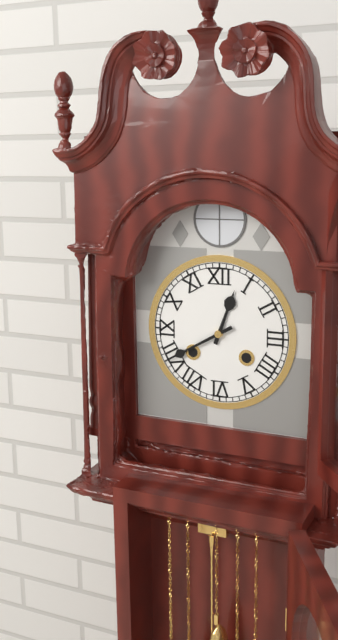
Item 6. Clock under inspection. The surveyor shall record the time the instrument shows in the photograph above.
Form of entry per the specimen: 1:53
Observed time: 12:40
